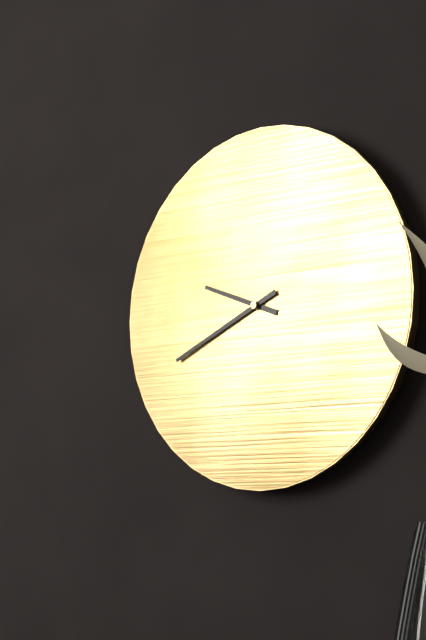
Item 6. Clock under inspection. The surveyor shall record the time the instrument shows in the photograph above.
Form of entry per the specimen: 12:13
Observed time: 9:41
